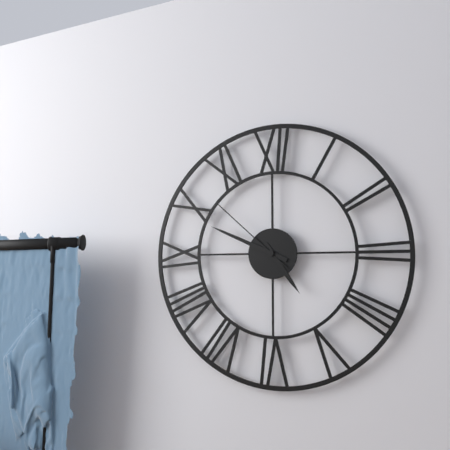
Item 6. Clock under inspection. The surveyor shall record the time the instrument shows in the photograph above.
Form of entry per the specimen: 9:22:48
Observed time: 4:49:52
